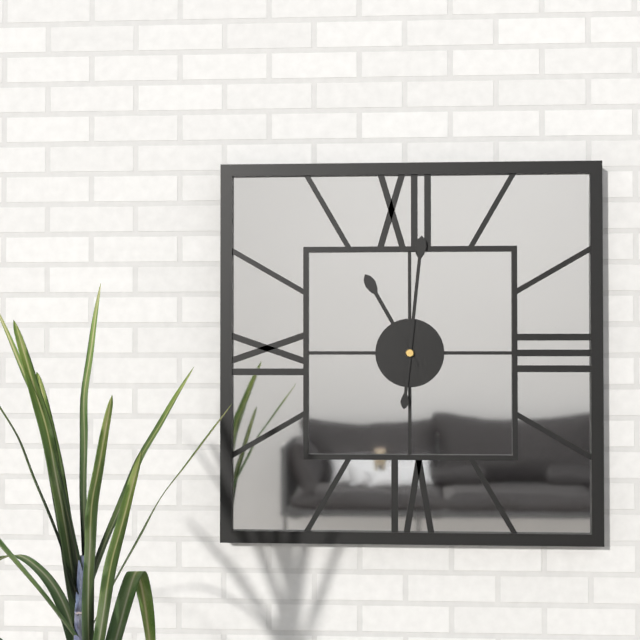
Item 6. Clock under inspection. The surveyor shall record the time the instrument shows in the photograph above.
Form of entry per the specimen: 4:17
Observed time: 11:01
